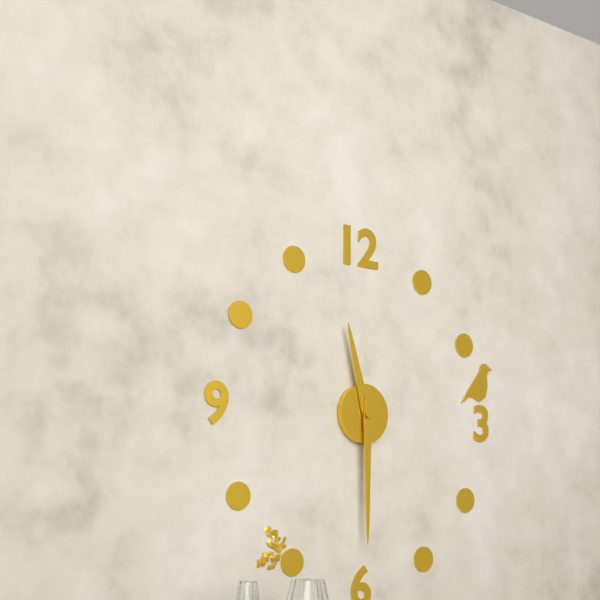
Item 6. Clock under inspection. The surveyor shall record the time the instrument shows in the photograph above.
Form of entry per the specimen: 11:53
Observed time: 11:30
